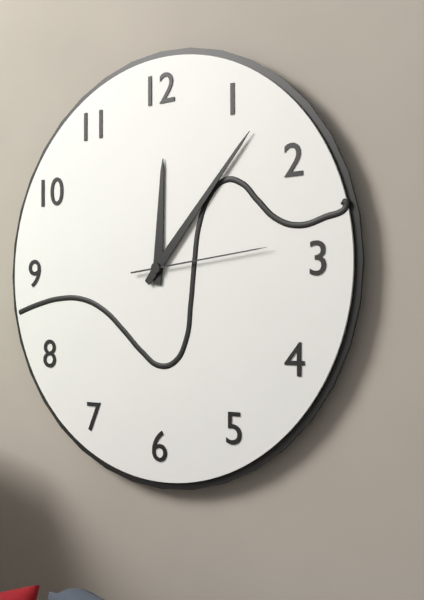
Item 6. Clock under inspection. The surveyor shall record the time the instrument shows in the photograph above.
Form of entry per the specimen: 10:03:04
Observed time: 12:07:14
